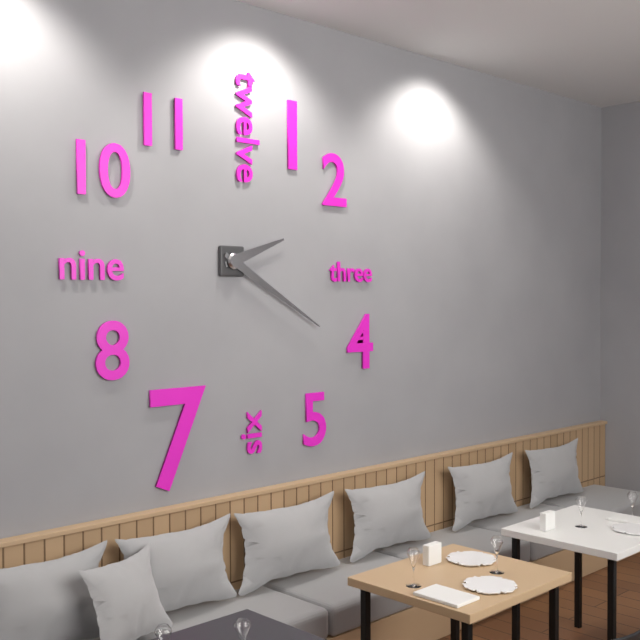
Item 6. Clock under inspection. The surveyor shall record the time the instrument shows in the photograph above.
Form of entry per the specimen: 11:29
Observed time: 2:20
